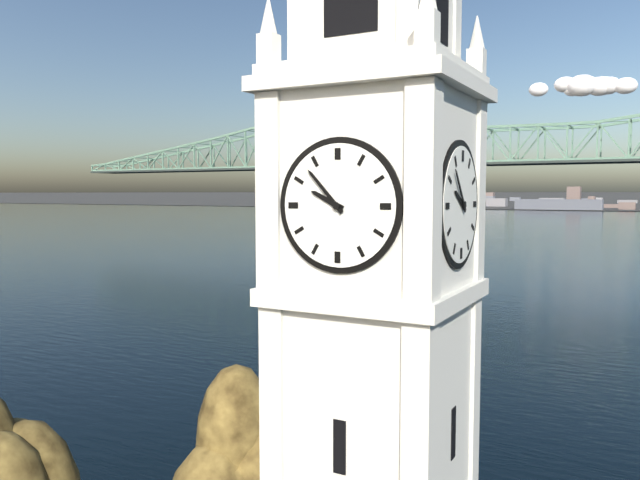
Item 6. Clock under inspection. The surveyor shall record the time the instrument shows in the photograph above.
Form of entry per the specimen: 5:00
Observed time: 9:53
